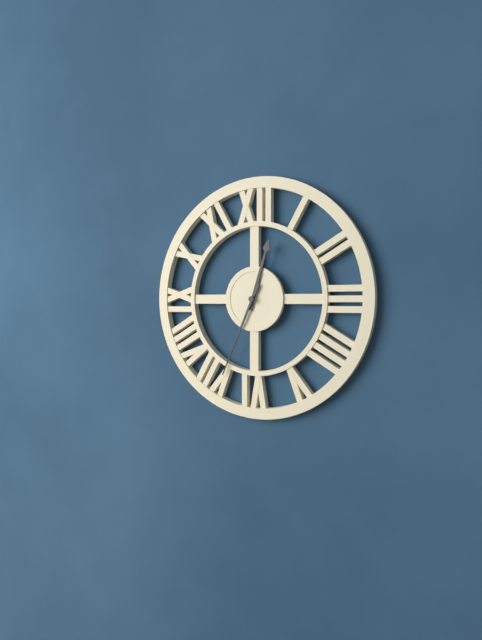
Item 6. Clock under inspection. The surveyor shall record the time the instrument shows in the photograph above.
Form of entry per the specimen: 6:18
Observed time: 12:34
